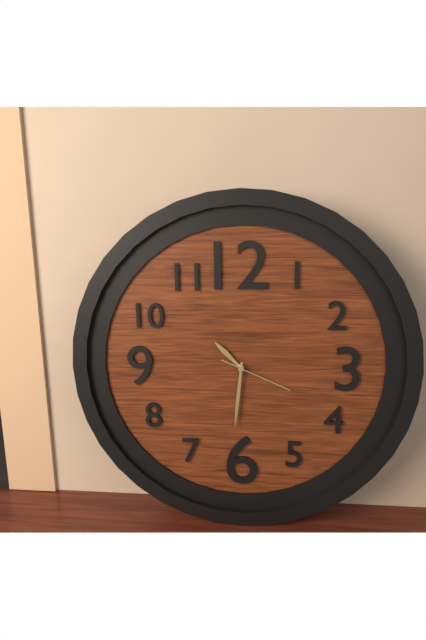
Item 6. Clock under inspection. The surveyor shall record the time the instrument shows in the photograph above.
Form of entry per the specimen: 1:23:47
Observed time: 10:31:19
